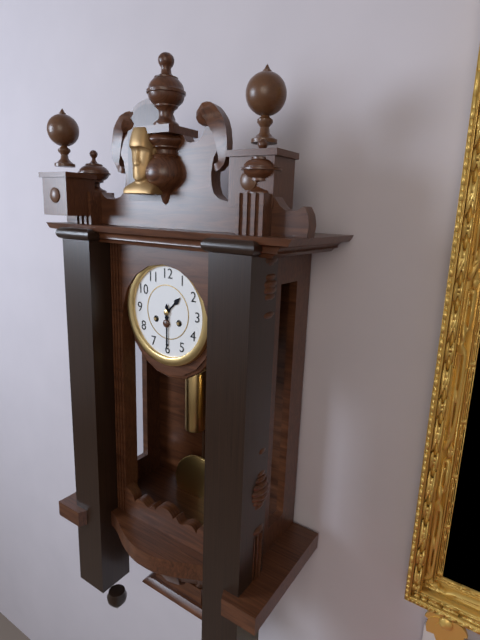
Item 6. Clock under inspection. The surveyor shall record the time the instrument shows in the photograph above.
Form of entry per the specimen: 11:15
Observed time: 1:30
